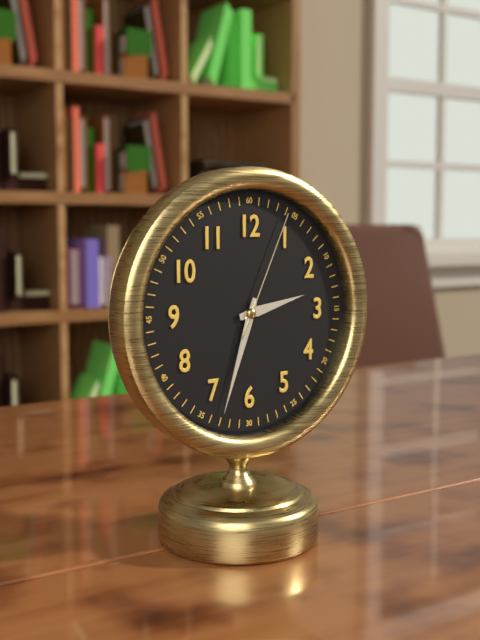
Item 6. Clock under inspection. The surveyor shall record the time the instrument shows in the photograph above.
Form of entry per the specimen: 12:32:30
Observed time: 2:33:04
